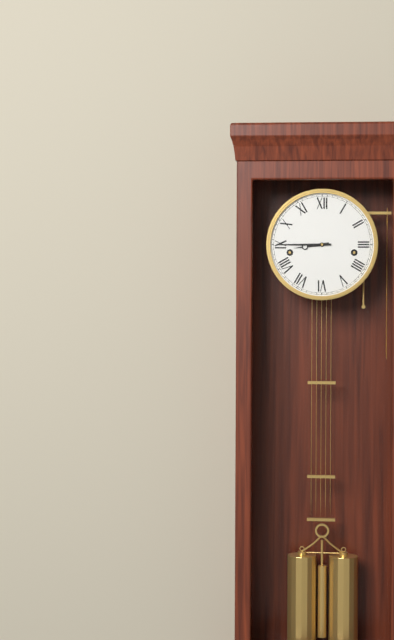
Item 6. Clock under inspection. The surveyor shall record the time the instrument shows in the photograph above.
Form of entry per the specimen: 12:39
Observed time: 8:45
